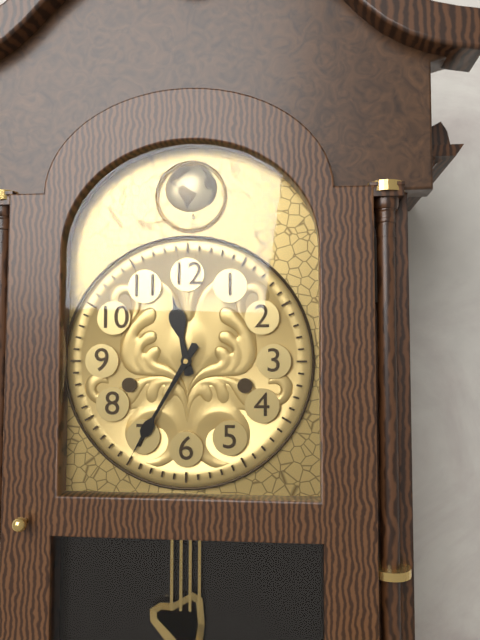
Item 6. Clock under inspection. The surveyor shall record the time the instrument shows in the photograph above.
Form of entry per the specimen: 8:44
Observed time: 11:35
